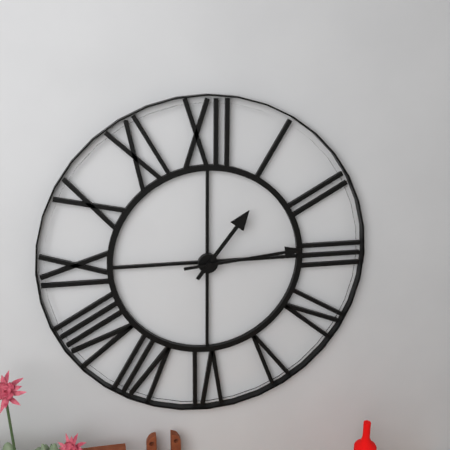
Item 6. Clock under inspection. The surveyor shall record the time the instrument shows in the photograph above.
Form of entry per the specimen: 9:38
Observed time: 1:14
